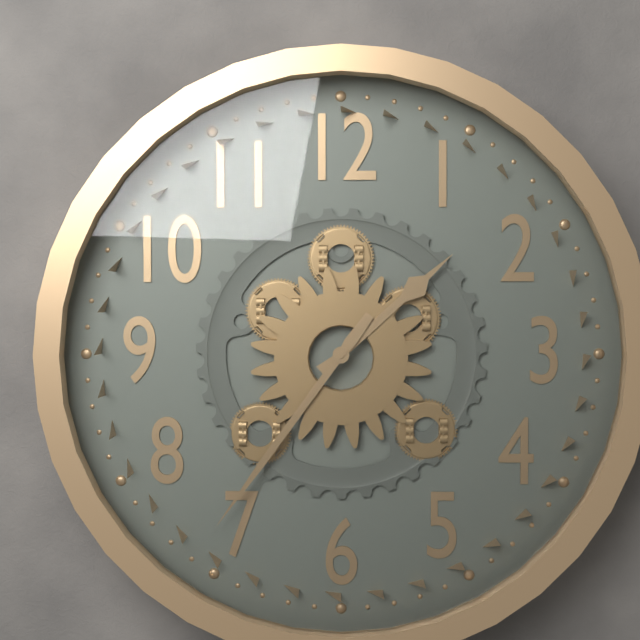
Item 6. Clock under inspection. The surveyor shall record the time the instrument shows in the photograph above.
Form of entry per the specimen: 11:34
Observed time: 1:36
